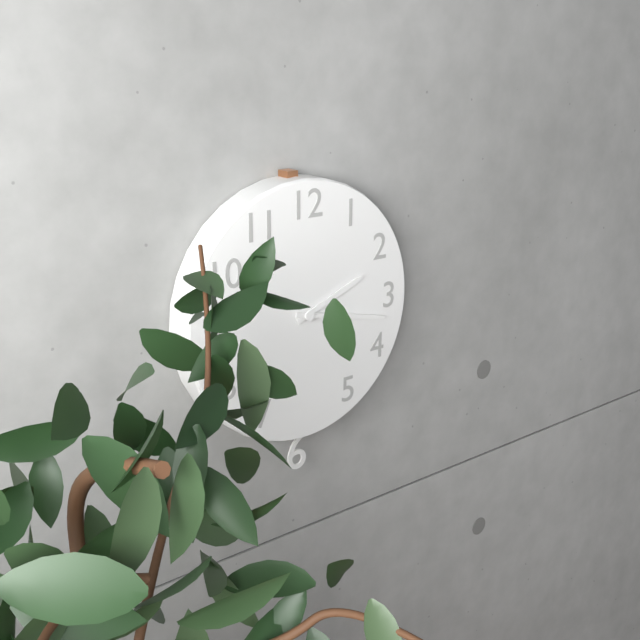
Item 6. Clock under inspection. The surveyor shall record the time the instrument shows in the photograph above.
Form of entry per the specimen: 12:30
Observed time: 2:17
